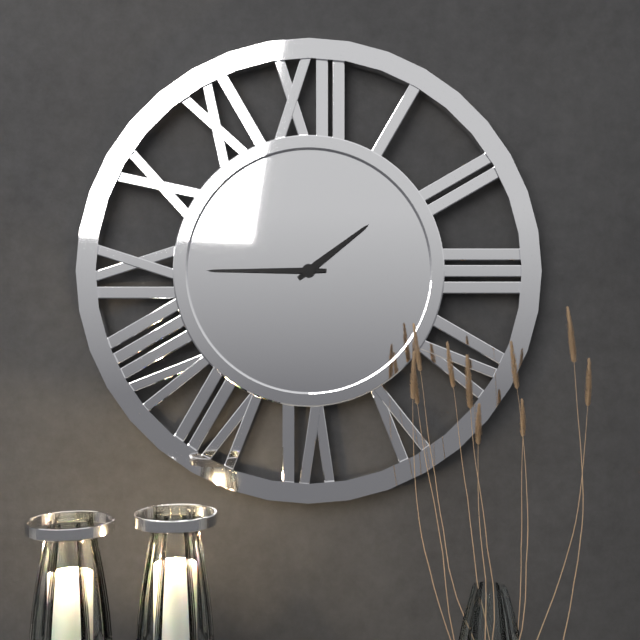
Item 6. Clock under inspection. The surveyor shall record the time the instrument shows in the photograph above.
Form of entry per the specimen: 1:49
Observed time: 1:45
